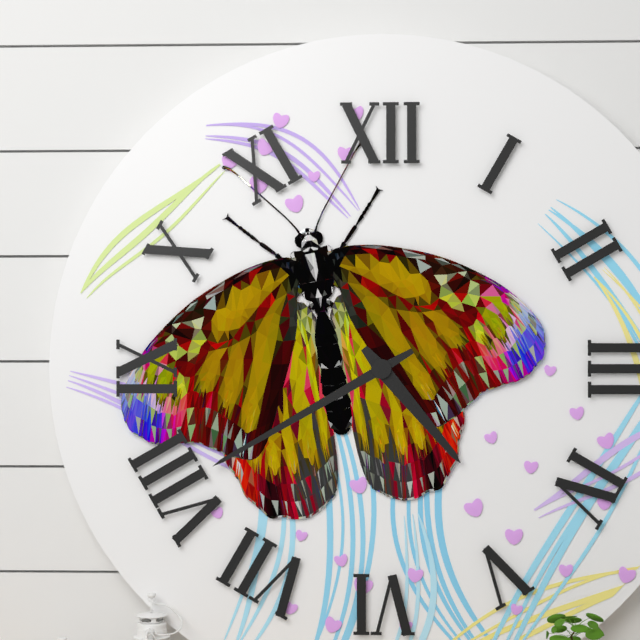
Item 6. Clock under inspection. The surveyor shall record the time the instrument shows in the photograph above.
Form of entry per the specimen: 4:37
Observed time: 4:40
